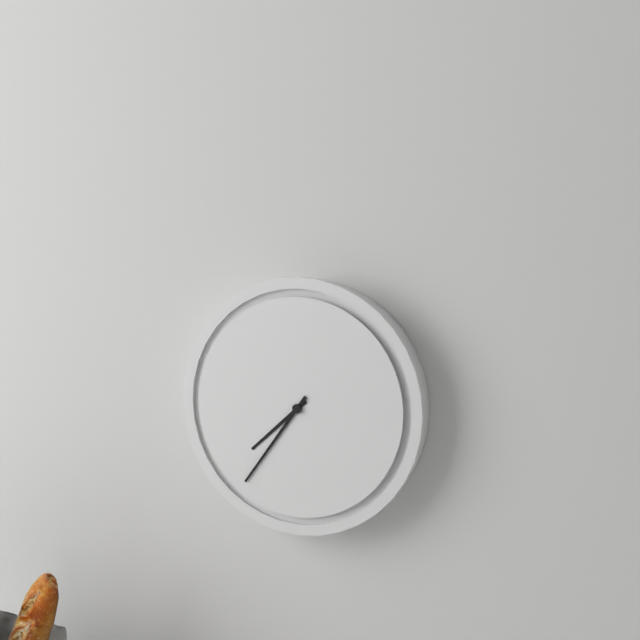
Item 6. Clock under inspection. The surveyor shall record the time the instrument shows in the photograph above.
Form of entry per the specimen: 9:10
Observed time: 7:36
